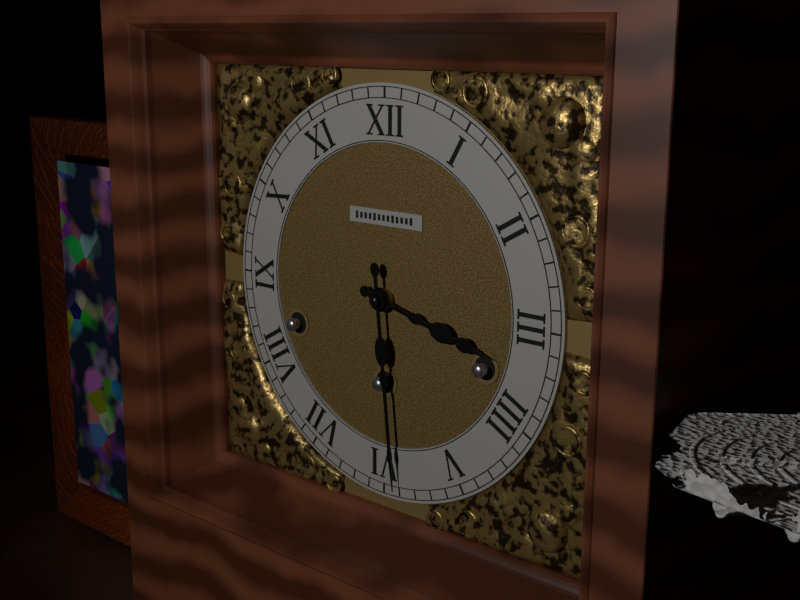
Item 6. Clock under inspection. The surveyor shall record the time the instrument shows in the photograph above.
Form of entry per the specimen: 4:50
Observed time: 3:29
